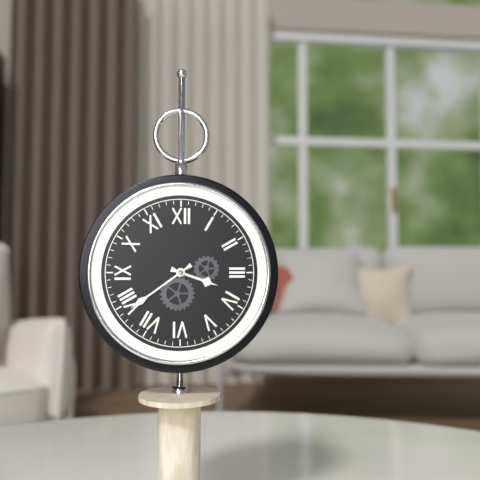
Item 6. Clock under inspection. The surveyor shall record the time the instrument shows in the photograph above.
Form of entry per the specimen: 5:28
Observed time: 3:39
